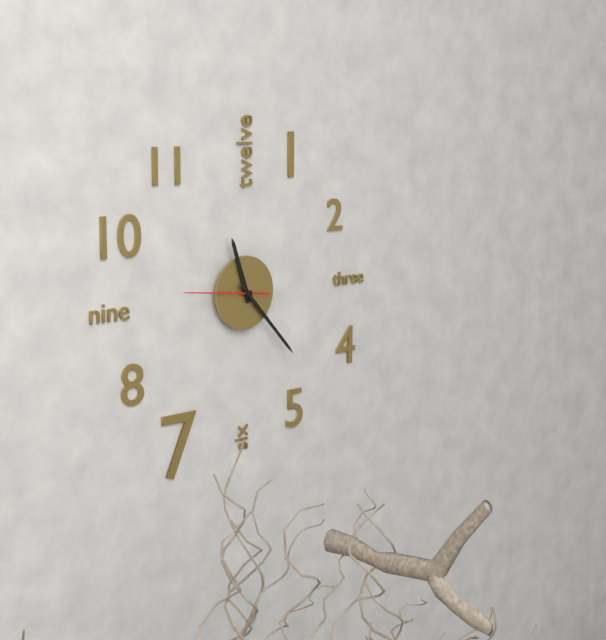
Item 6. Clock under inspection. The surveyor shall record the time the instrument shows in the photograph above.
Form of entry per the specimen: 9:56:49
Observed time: 11:23:46
